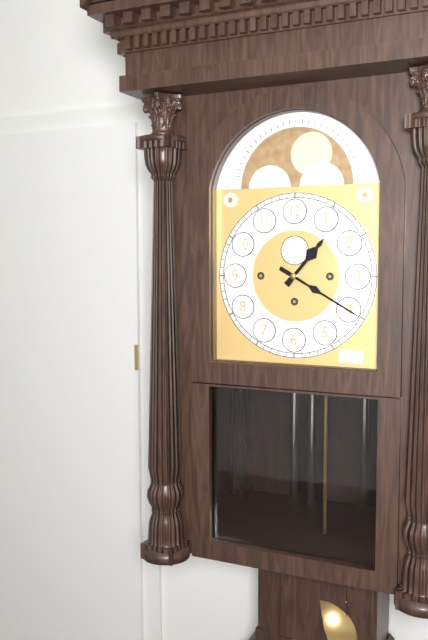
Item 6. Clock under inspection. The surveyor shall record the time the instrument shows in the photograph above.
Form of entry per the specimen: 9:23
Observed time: 1:20
